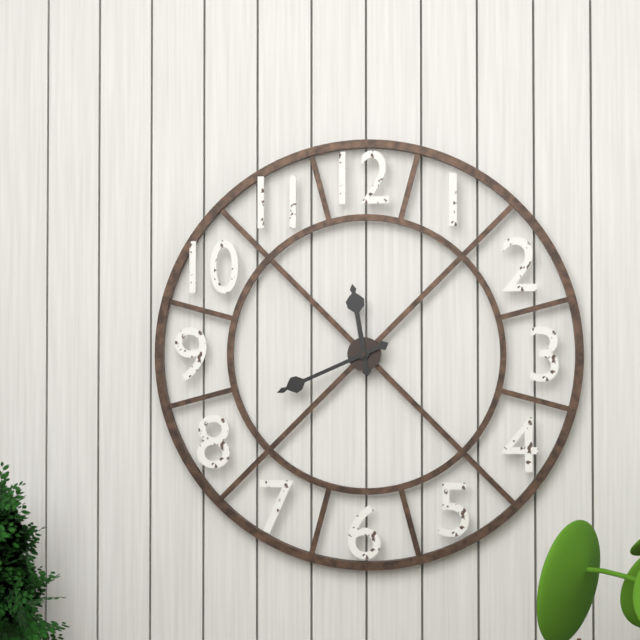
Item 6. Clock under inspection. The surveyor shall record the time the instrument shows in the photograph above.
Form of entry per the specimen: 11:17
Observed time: 11:41
